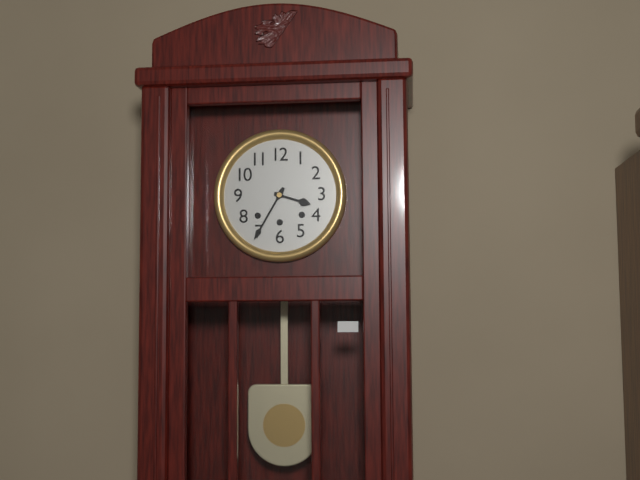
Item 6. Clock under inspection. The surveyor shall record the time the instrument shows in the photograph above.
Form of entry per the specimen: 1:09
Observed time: 3:35
